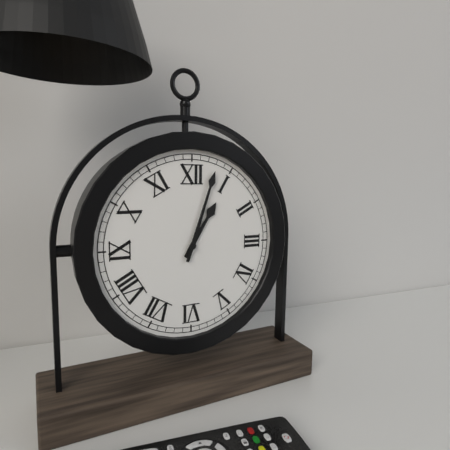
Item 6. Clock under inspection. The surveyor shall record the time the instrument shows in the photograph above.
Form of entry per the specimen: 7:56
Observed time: 1:03
